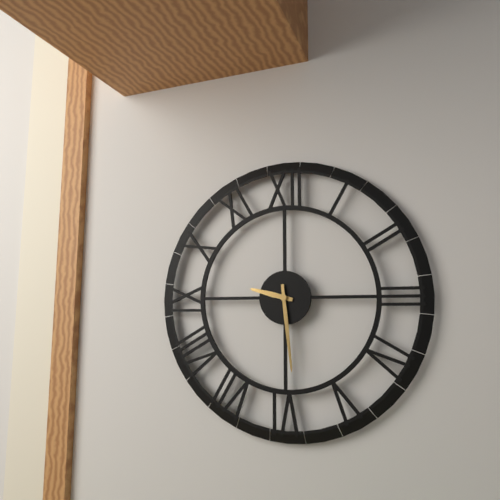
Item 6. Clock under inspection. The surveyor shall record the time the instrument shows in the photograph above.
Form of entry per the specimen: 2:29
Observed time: 9:29
